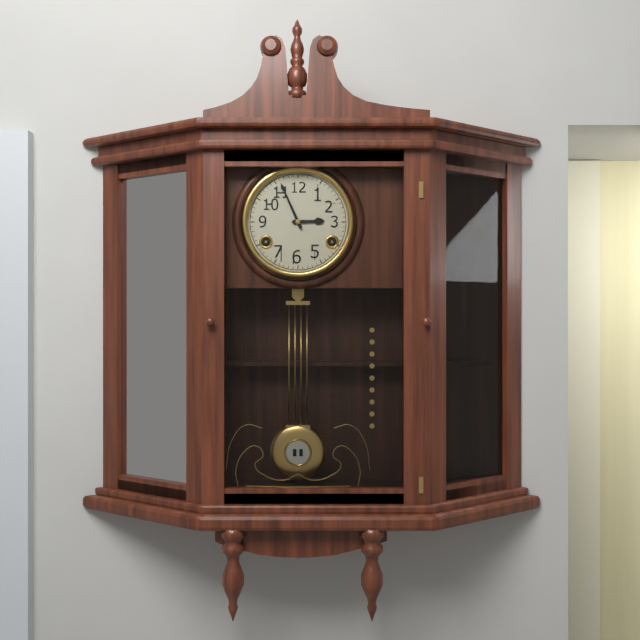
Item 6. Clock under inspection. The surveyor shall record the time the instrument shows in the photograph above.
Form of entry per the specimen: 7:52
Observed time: 2:56
